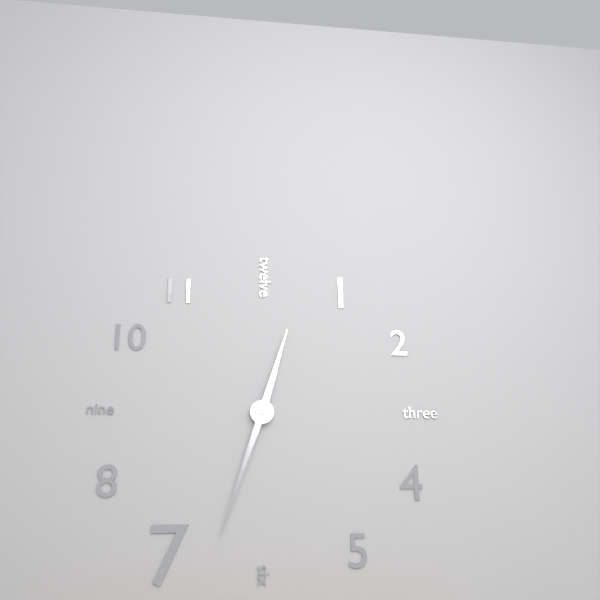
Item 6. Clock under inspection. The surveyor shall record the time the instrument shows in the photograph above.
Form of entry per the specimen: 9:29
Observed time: 12:33
